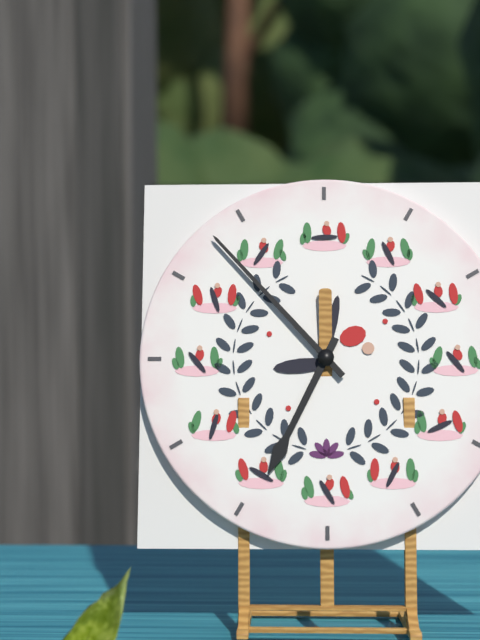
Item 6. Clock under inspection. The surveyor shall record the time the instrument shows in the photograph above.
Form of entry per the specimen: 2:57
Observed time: 6:53
